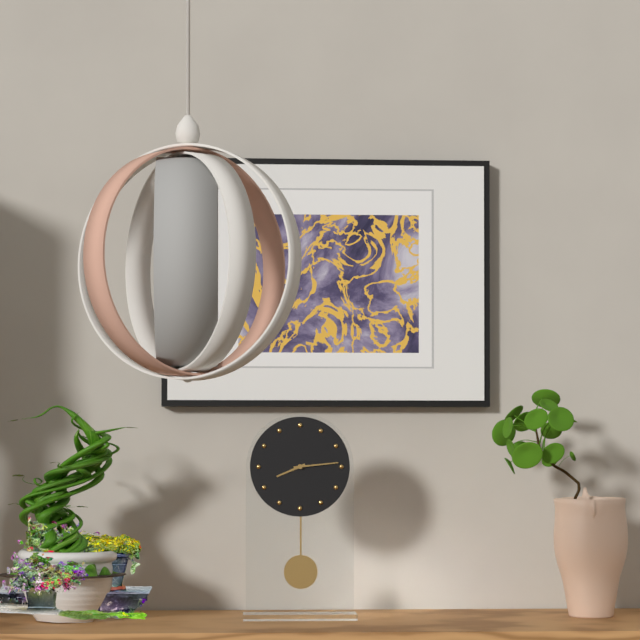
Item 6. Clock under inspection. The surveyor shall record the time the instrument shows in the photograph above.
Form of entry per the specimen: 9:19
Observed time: 8:14
